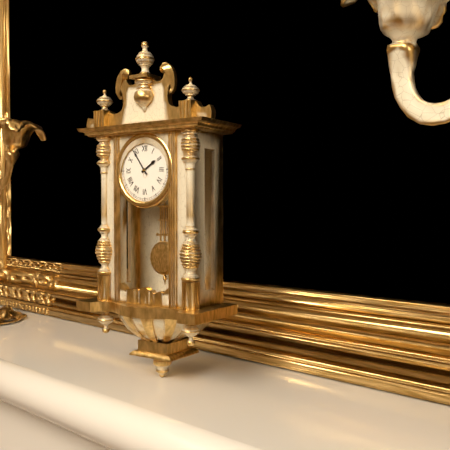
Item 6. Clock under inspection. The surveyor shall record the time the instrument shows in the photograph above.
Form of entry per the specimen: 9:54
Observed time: 1:54
